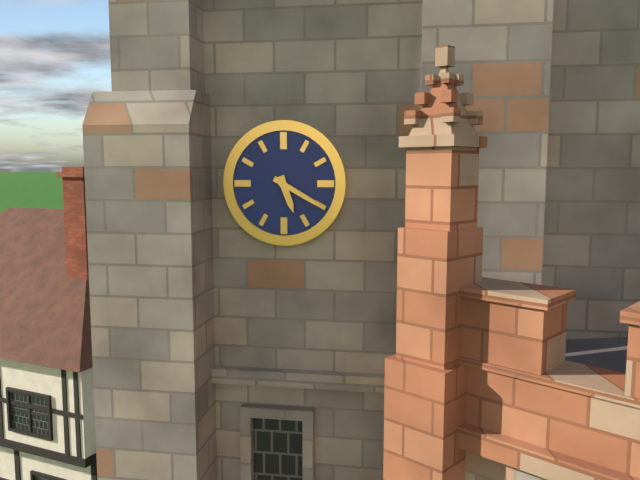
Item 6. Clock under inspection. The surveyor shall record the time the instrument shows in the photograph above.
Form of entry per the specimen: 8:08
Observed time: 5:20
